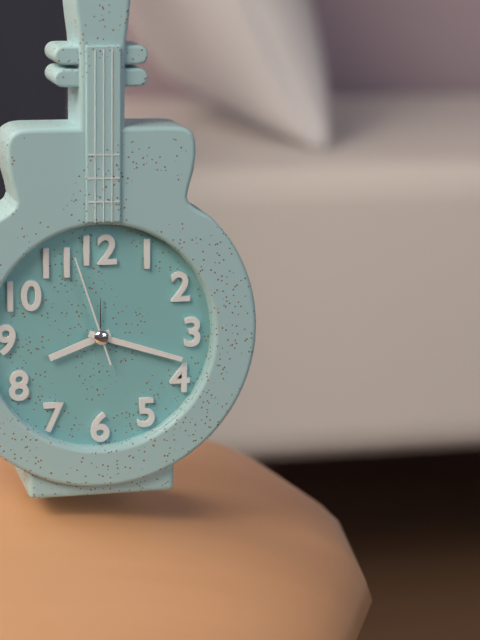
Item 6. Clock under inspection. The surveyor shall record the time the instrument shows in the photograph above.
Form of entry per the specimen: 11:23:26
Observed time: 8:18:57
